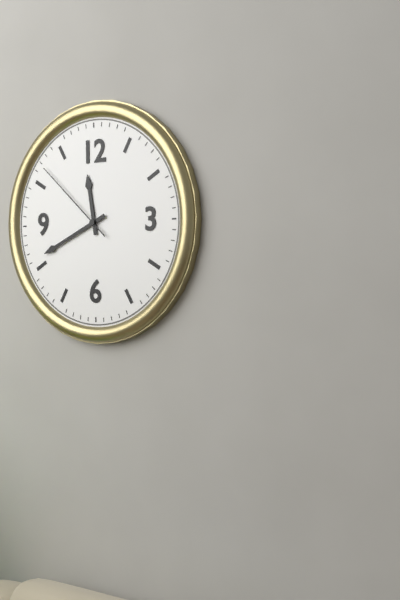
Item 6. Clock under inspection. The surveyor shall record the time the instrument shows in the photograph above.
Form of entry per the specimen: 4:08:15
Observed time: 11:41:52
